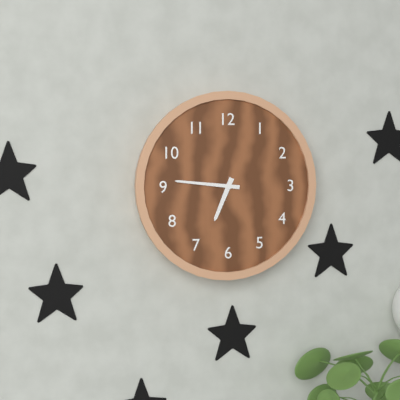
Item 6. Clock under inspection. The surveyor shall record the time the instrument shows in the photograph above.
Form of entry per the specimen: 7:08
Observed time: 6:46
